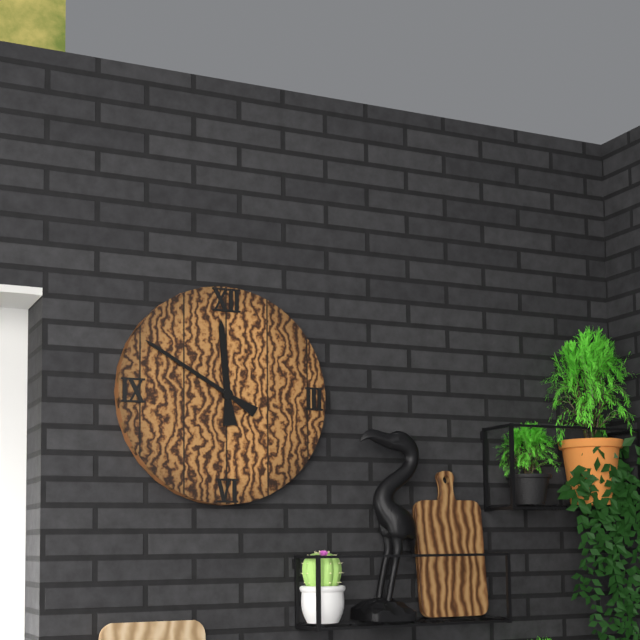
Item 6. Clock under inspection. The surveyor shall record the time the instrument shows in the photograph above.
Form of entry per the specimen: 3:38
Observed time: 11:50
